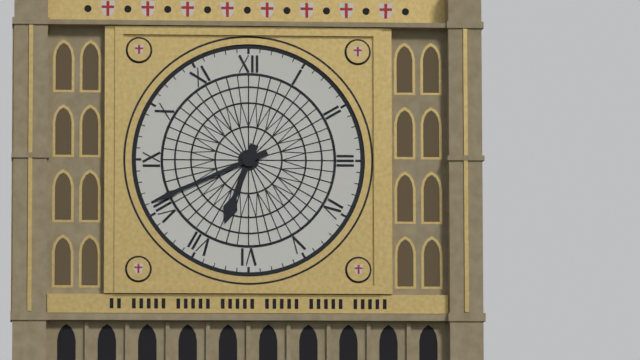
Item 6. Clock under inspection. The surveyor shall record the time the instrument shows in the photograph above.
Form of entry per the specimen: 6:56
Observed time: 6:41
